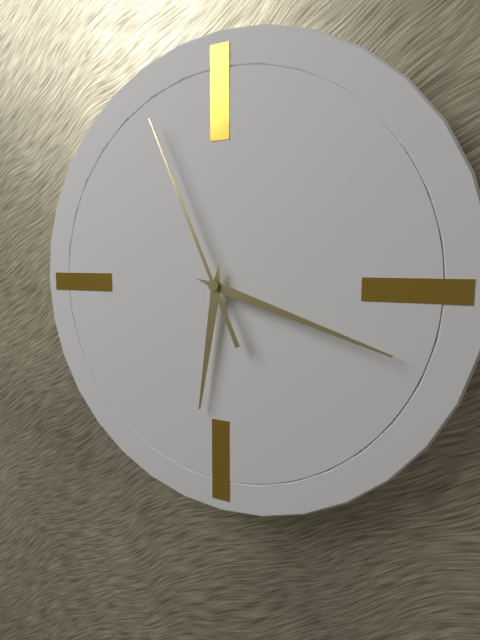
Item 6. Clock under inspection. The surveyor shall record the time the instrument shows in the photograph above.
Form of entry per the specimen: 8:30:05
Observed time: 6:18:56
